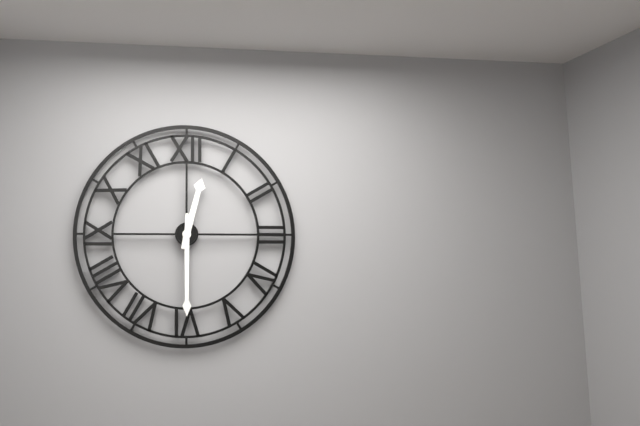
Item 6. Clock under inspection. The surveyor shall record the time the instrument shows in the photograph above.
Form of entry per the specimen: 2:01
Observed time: 12:30
